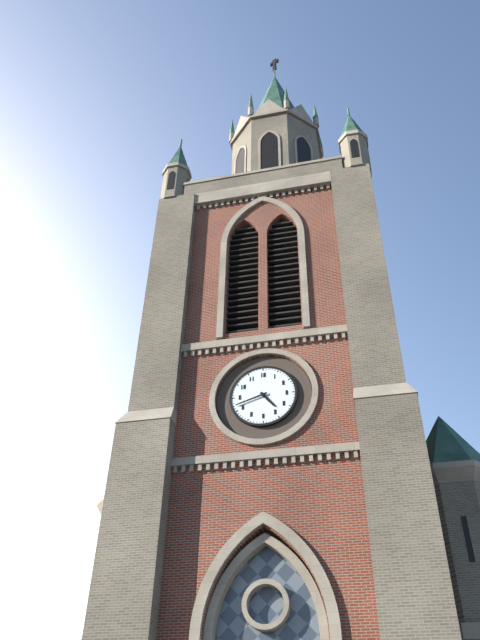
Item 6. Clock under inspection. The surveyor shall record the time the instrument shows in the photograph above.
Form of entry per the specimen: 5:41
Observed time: 4:42
